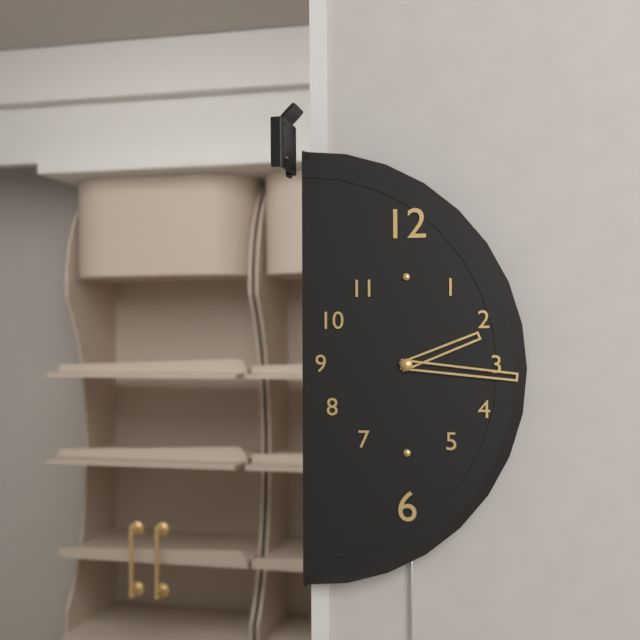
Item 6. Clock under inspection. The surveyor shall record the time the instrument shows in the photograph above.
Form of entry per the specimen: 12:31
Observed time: 2:16
